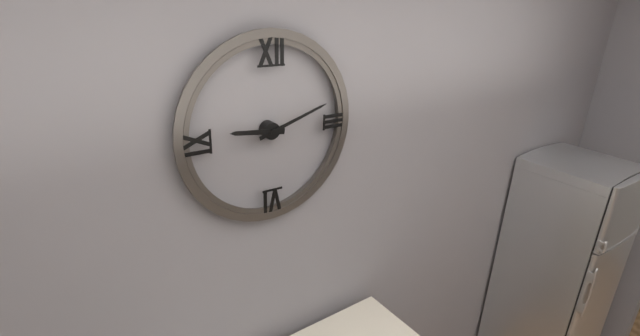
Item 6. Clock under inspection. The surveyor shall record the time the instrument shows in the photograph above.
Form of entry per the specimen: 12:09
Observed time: 9:12
